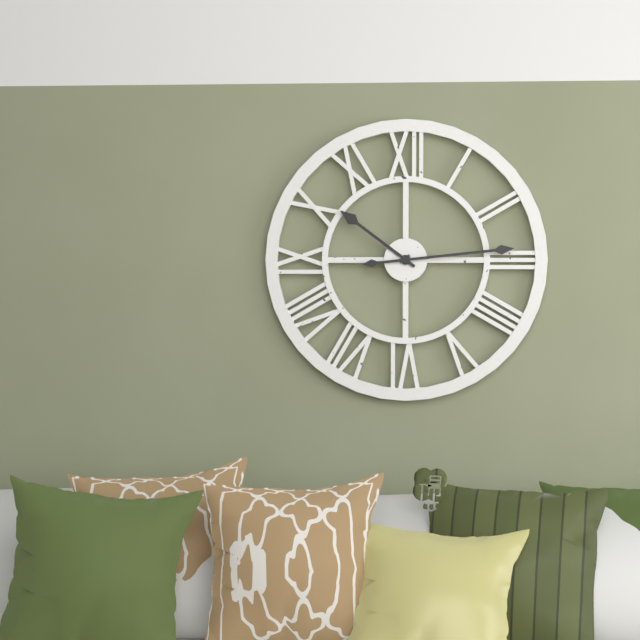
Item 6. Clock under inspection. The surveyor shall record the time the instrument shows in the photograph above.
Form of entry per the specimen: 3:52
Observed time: 10:14
